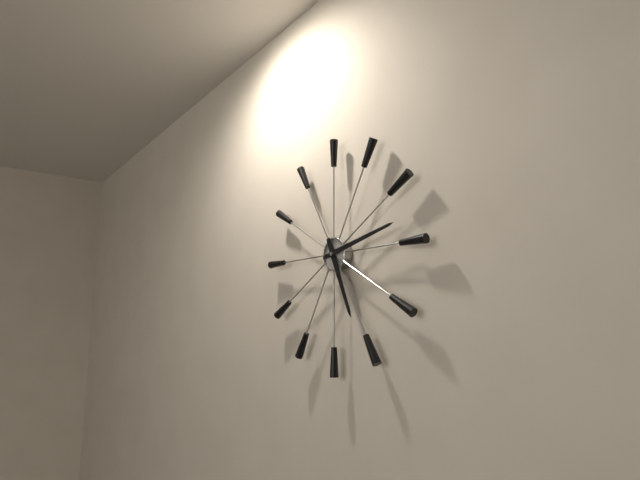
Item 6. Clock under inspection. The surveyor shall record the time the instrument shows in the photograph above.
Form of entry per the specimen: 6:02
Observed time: 5:13
